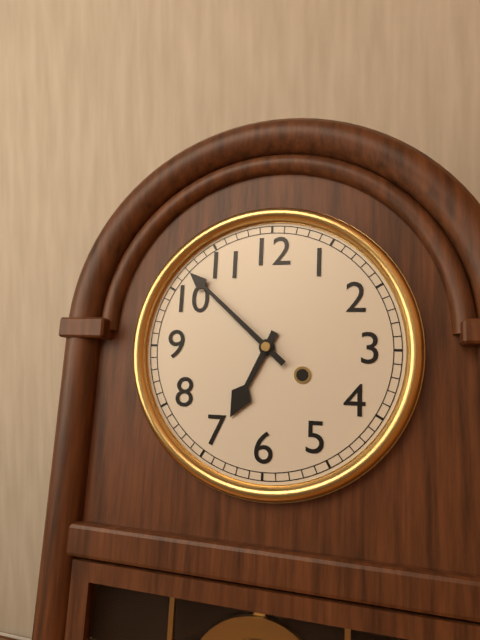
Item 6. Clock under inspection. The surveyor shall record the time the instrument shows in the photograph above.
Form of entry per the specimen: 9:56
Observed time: 6:52
